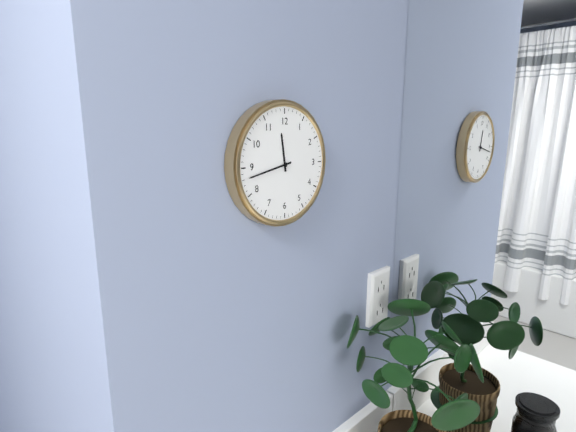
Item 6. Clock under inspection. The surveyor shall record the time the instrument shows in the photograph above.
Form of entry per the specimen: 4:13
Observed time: 11:43
